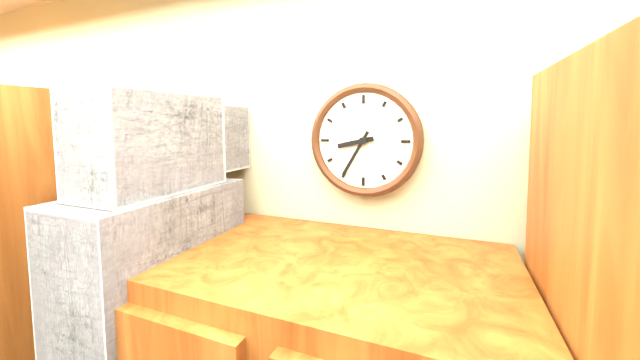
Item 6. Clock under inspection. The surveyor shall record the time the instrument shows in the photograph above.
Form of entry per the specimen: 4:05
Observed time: 8:35
